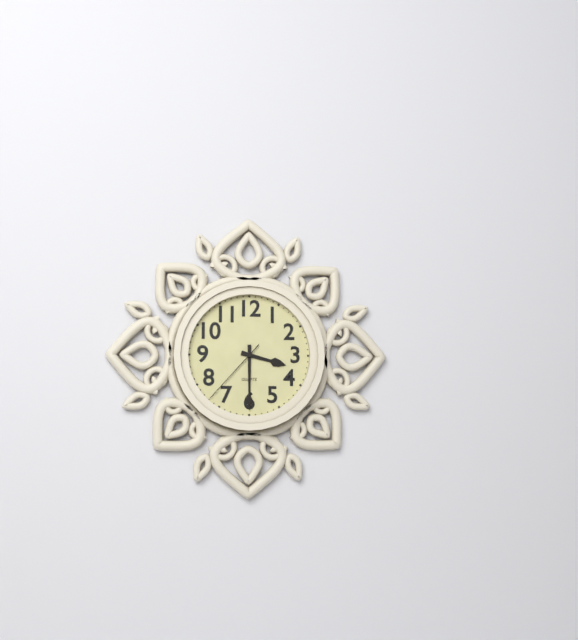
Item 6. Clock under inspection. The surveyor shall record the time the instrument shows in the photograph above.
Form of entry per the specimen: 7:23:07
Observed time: 3:30:37
